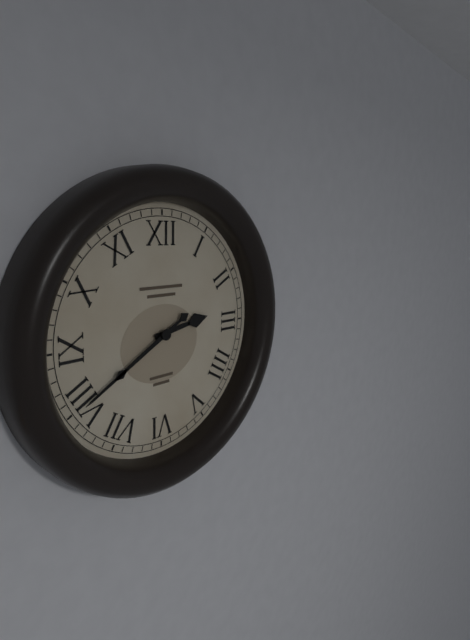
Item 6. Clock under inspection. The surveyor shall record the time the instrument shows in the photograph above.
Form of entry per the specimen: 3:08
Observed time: 2:40
